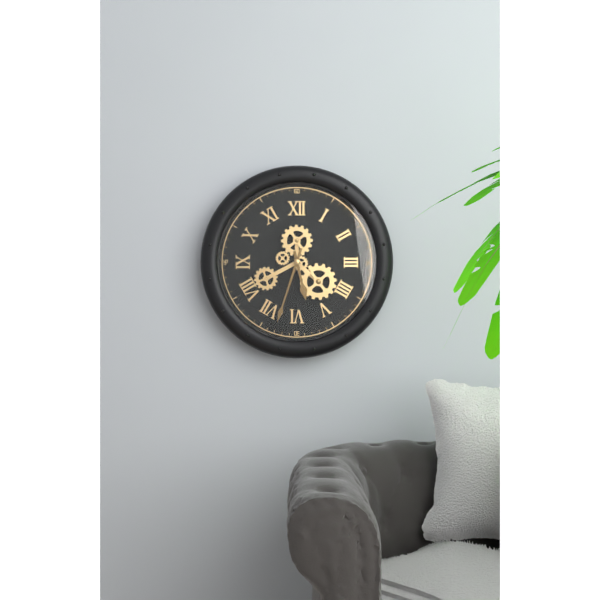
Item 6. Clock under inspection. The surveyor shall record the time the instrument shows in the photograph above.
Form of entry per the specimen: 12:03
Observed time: 5:33
